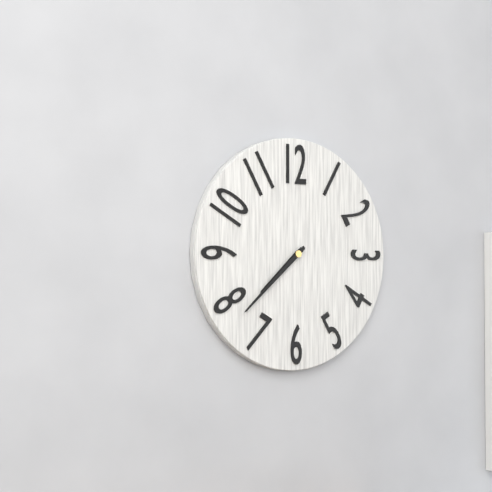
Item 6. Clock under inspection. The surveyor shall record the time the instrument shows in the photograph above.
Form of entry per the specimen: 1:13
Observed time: 7:38
